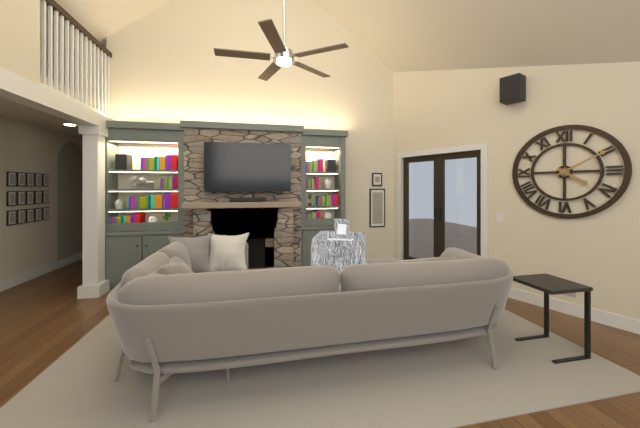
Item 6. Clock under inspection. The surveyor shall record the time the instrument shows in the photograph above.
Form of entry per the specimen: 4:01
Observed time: 4:10
